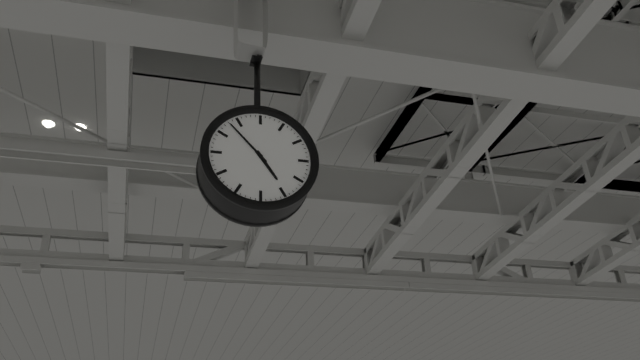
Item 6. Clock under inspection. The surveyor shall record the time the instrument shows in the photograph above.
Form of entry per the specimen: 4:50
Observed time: 4:53
